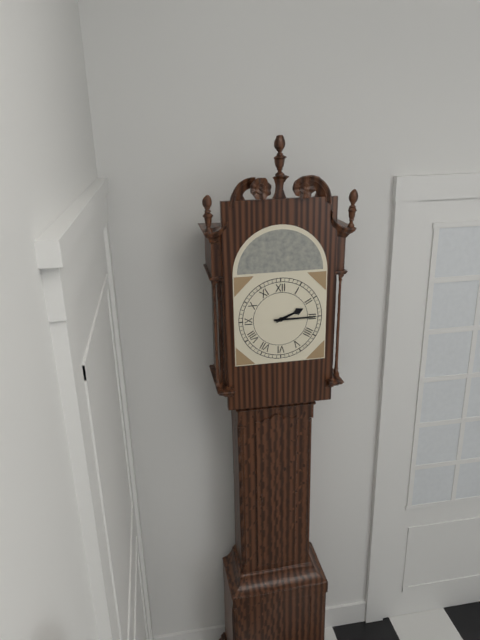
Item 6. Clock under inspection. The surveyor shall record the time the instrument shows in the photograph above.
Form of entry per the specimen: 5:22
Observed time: 2:15
